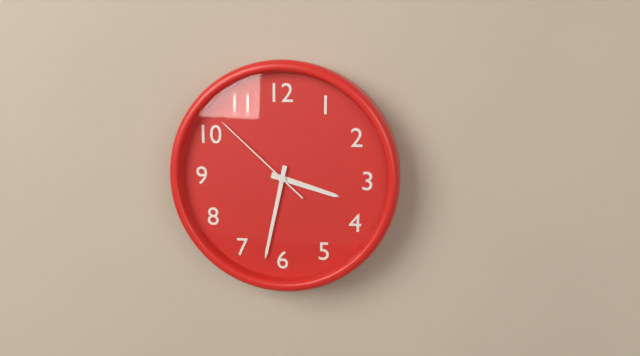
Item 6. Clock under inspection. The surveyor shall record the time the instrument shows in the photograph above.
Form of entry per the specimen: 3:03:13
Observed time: 3:32:52
